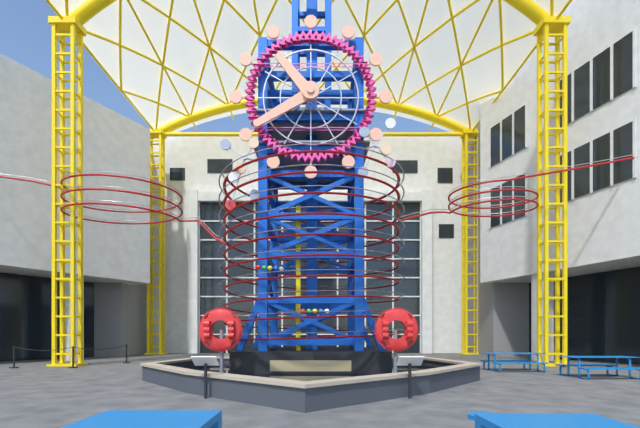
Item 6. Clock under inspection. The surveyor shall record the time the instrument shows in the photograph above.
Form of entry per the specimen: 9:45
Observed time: 10:40
